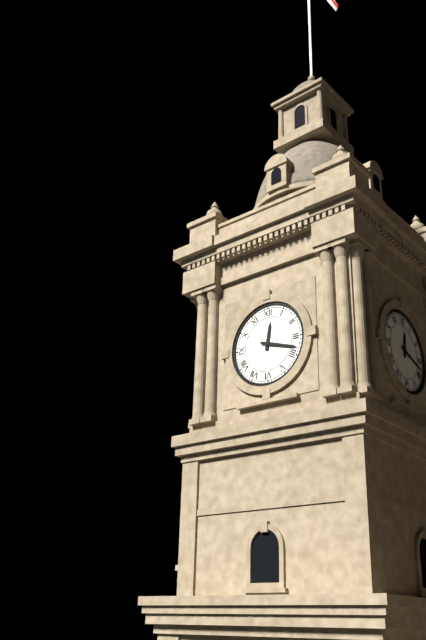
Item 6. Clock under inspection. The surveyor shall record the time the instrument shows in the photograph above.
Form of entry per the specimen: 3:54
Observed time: 12:18
